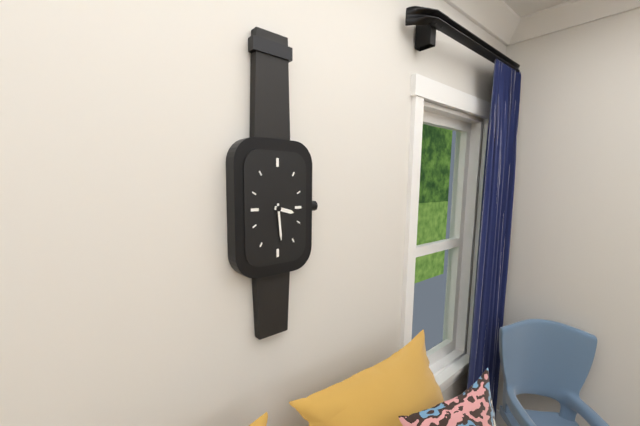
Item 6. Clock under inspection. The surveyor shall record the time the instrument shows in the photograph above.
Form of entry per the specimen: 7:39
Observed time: 3:29
